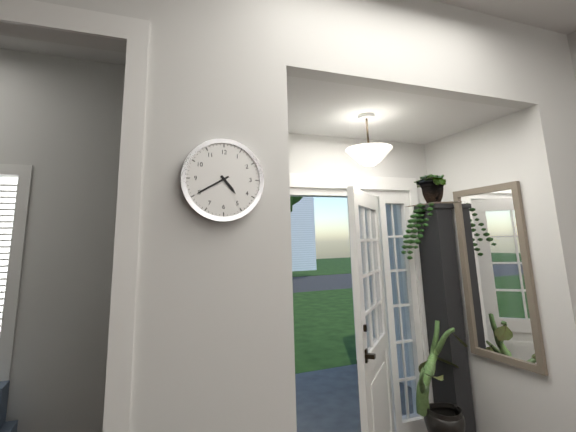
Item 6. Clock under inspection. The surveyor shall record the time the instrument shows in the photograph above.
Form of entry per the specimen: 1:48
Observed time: 4:40
